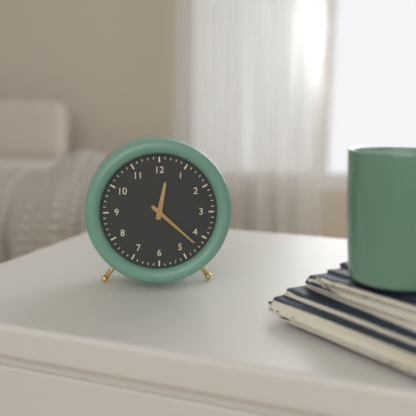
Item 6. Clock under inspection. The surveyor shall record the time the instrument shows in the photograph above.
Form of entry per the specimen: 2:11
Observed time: 12:22
